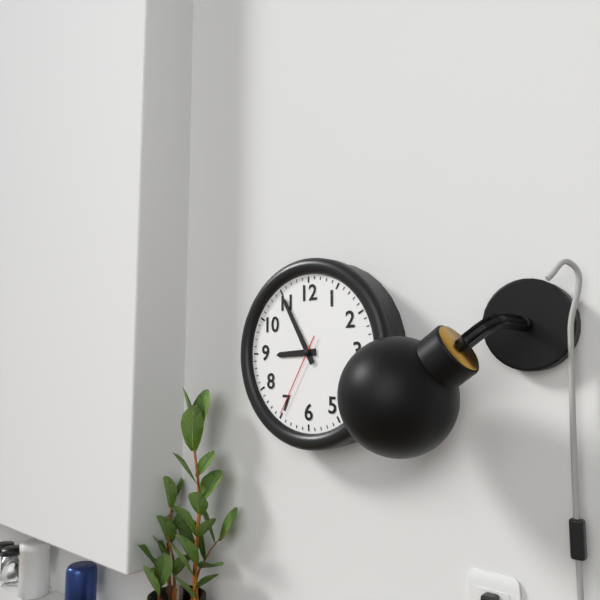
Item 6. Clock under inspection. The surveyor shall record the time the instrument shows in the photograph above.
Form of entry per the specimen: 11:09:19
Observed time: 8:55:35
